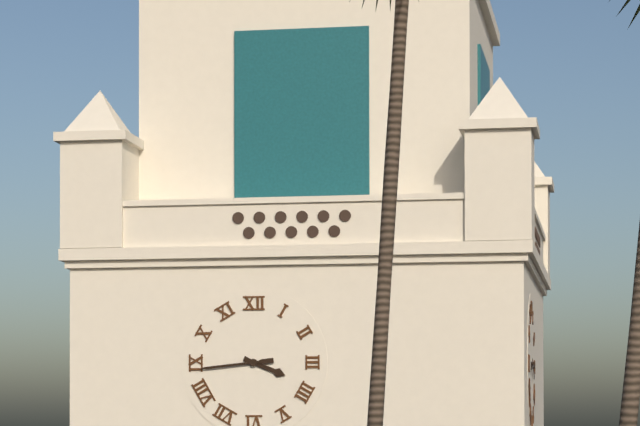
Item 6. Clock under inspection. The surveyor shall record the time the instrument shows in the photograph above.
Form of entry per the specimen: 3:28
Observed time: 3:44
